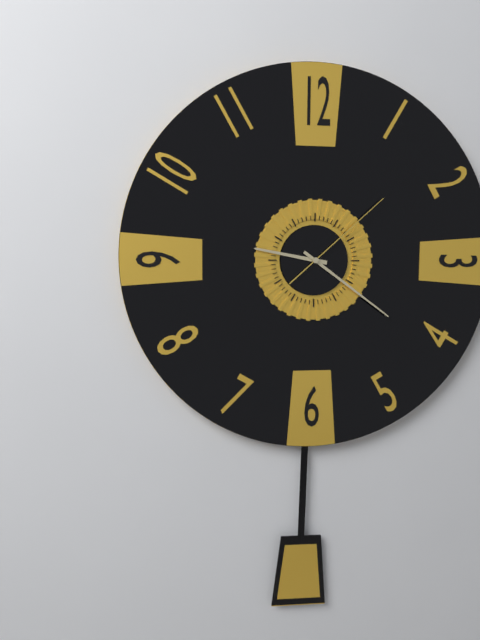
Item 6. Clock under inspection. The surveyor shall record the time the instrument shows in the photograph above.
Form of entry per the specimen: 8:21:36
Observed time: 9:21:08
